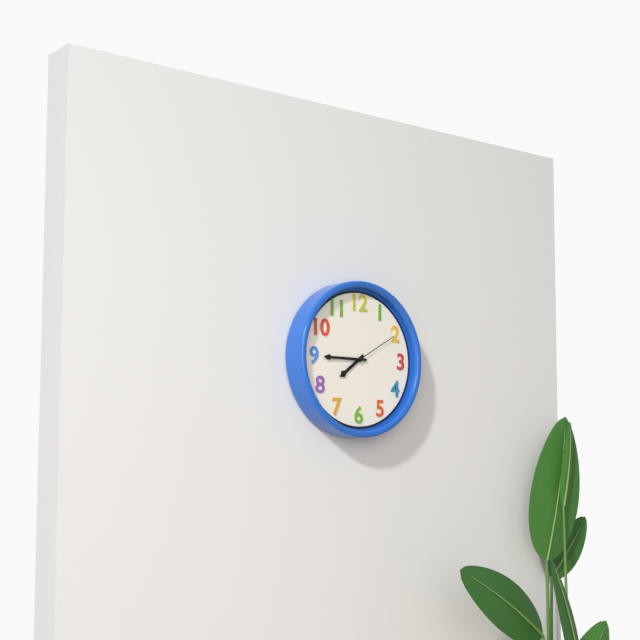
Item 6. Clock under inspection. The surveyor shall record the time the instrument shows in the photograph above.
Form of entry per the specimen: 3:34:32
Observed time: 7:45:10
